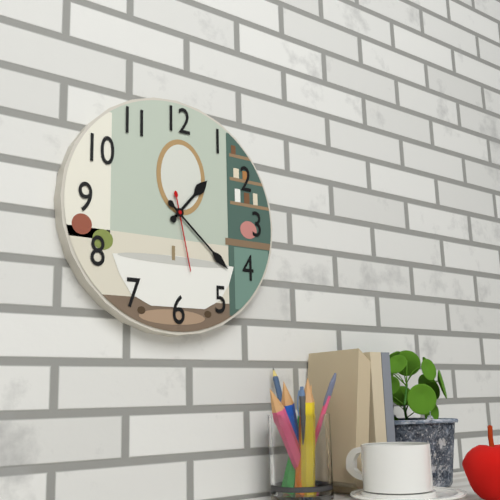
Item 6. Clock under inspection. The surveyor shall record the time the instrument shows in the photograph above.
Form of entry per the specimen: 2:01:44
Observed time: 1:22:28
